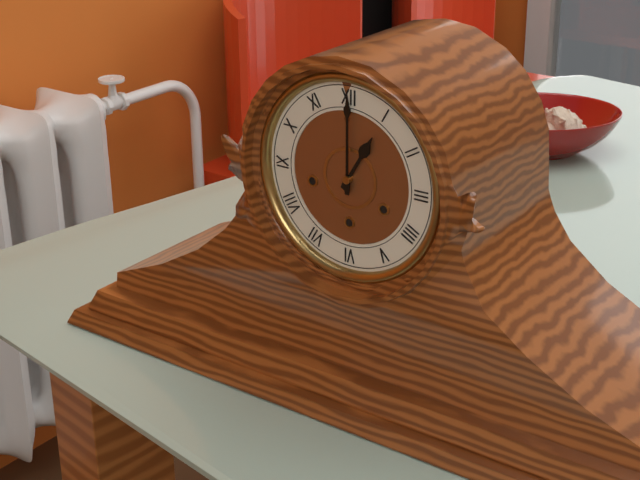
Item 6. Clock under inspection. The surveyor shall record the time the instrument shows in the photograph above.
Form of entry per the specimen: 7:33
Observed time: 1:00
